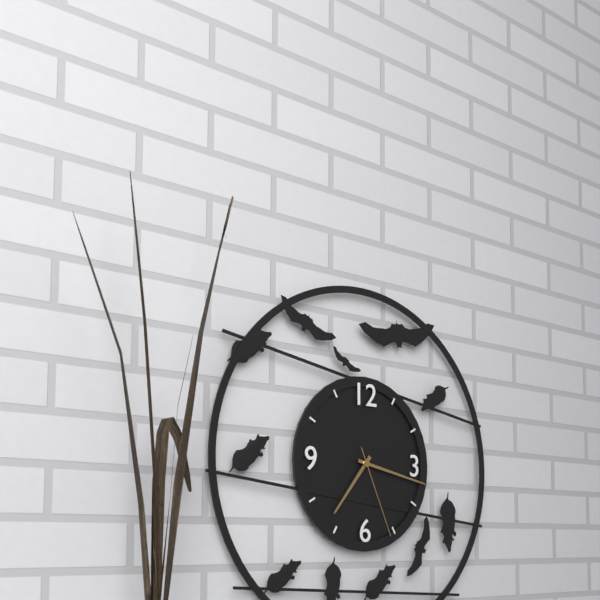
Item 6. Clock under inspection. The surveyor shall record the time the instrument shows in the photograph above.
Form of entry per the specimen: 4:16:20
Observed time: 7:17:26
